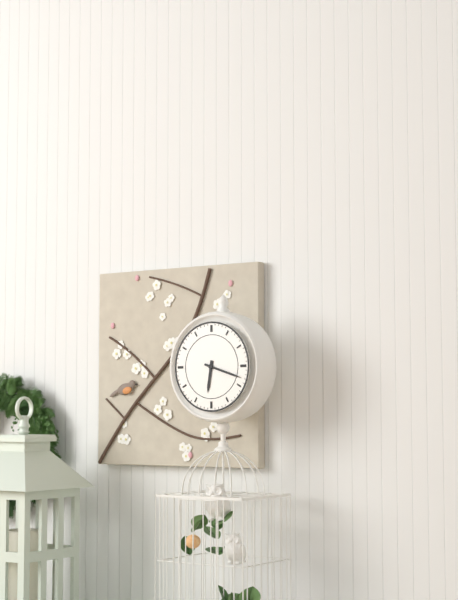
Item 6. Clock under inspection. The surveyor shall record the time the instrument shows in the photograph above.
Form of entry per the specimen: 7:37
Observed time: 6:18
